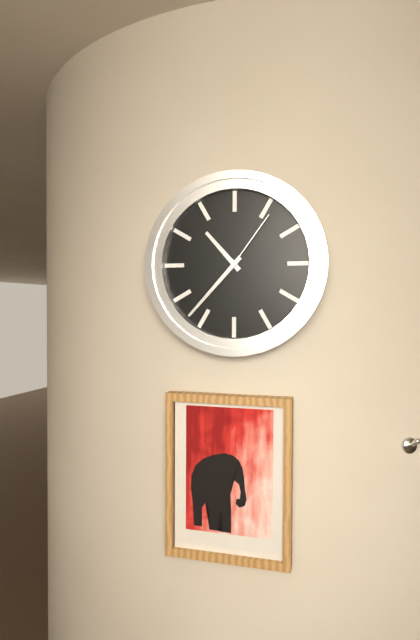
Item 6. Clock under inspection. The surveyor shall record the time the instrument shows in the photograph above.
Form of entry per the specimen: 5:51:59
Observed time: 10:37:06
